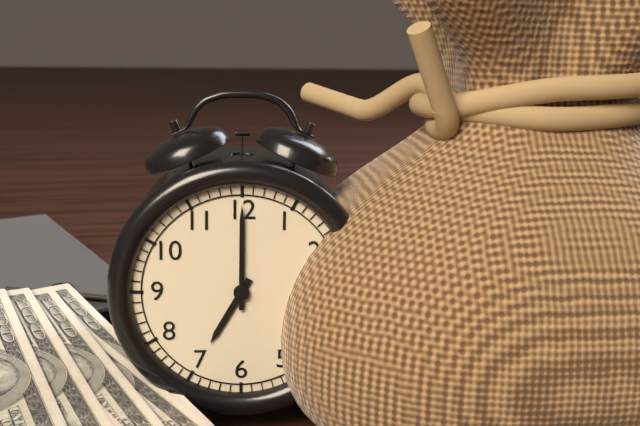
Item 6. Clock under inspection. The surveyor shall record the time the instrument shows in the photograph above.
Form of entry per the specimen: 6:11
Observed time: 7:00
